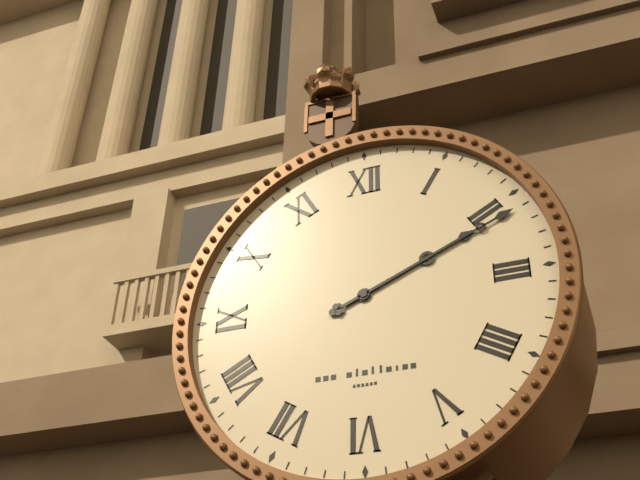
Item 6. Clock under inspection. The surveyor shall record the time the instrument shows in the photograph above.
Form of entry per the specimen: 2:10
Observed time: 2:11
